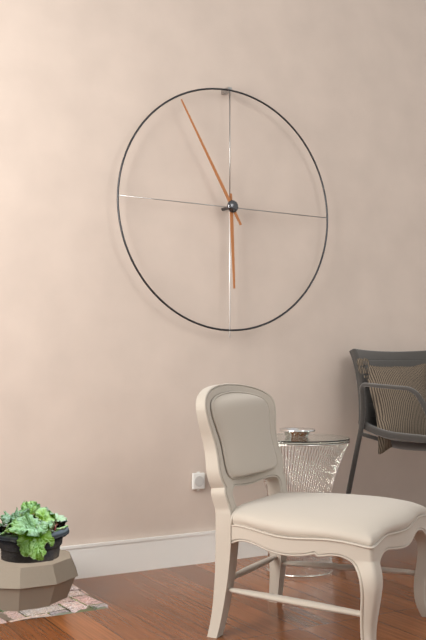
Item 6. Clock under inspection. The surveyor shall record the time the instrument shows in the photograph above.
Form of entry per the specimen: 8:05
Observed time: 5:55
